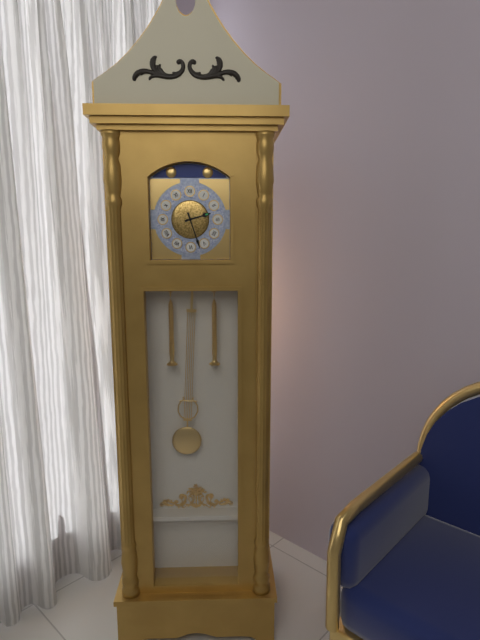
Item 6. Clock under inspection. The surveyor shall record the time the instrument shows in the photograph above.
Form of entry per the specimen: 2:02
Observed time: 2:27
